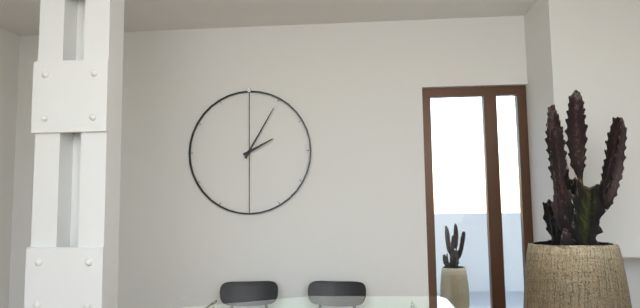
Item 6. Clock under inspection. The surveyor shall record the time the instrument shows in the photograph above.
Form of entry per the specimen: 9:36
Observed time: 2:05
